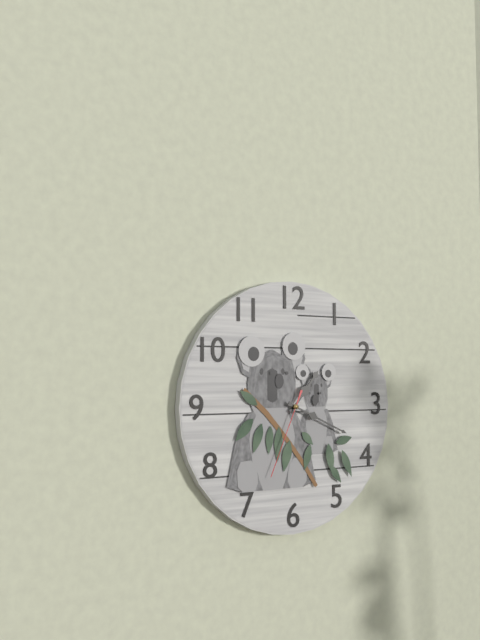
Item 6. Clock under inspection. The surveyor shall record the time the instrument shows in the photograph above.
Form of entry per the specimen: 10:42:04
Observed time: 1:19:34
